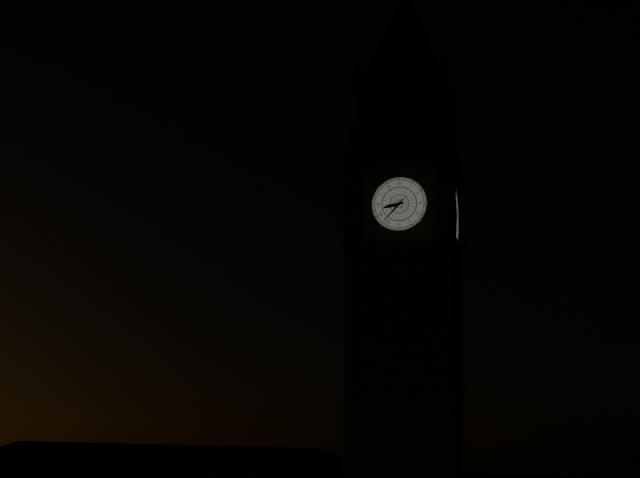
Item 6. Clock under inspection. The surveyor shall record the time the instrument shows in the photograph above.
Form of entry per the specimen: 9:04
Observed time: 8:37
